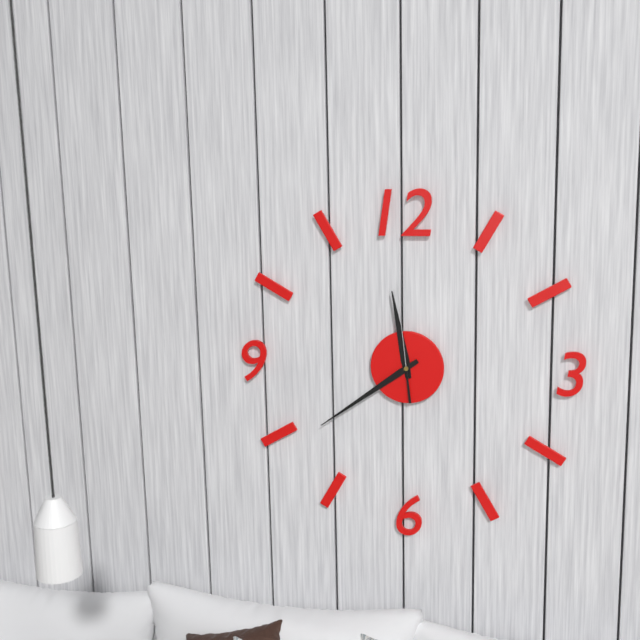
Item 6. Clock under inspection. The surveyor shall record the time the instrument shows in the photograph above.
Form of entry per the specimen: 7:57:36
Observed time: 11:39:59
